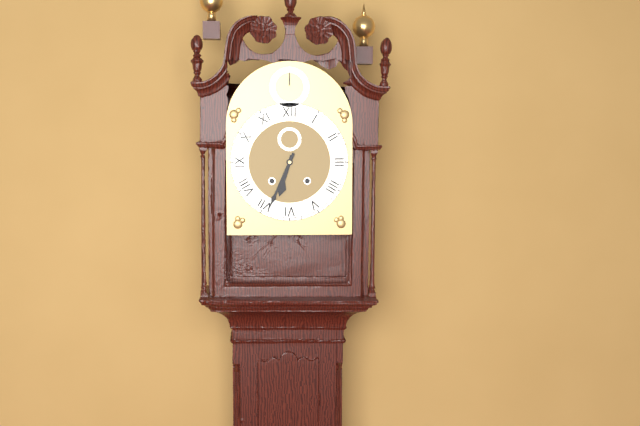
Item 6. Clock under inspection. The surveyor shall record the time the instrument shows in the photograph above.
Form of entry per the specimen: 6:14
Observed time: 6:34
